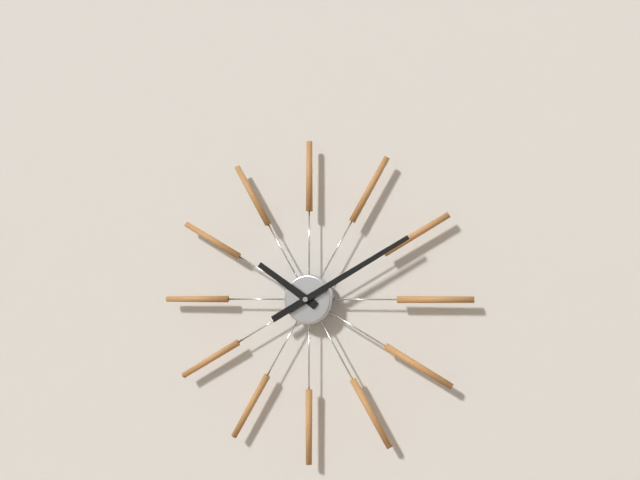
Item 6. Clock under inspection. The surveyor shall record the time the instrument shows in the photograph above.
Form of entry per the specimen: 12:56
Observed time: 10:10
